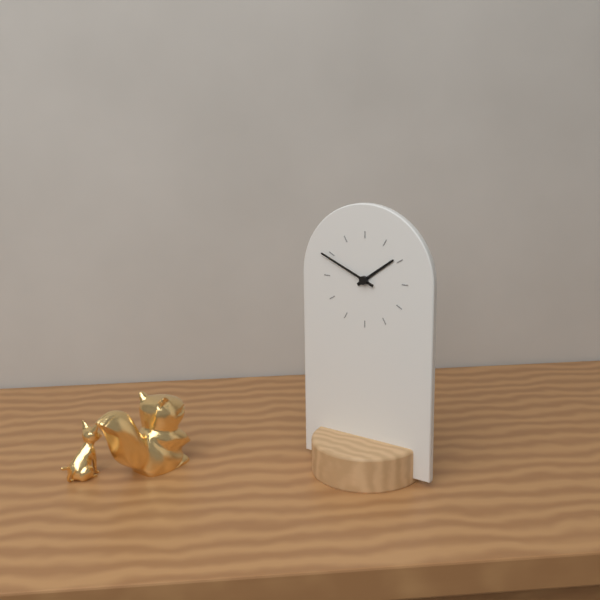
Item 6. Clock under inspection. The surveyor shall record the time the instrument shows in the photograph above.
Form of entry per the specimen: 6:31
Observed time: 1:49
